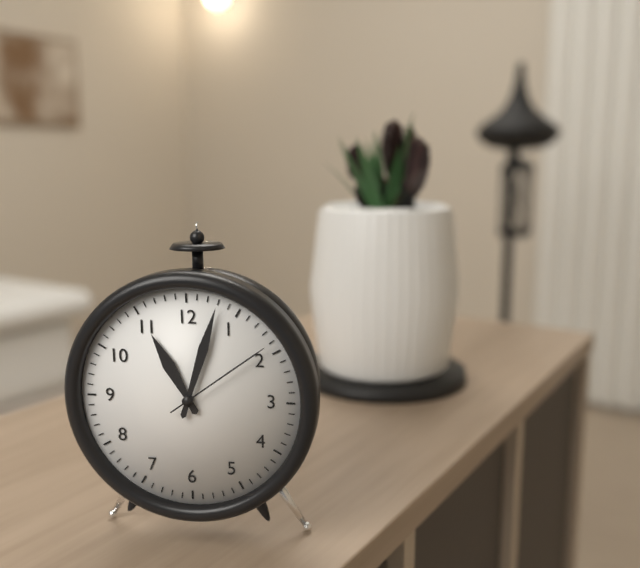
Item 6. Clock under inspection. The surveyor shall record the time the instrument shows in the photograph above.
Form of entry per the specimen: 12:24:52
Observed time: 11:03:09
